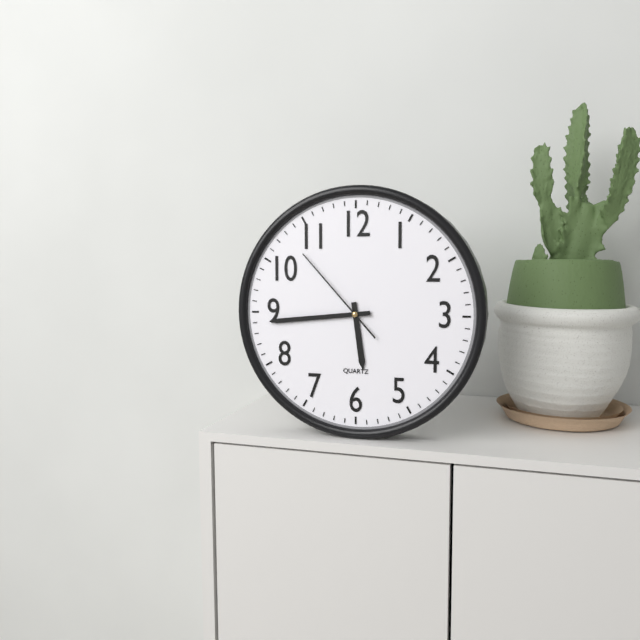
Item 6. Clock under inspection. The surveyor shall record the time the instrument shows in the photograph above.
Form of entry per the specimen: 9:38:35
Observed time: 5:44:53
